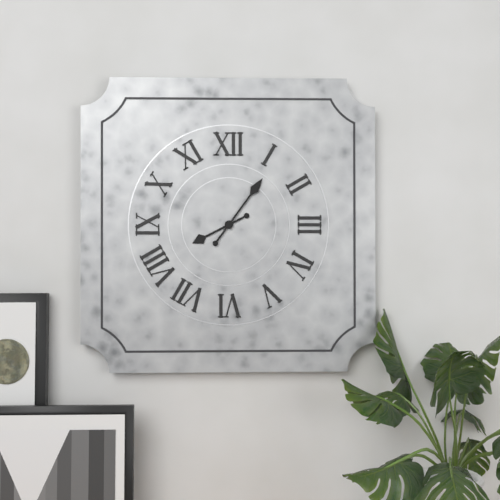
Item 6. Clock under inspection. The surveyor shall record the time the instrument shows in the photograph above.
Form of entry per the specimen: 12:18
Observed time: 8:06
